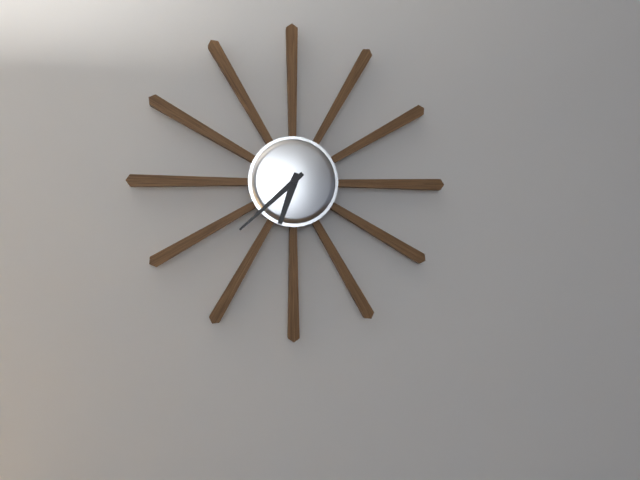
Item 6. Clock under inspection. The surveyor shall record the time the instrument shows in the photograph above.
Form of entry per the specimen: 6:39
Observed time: 6:38
